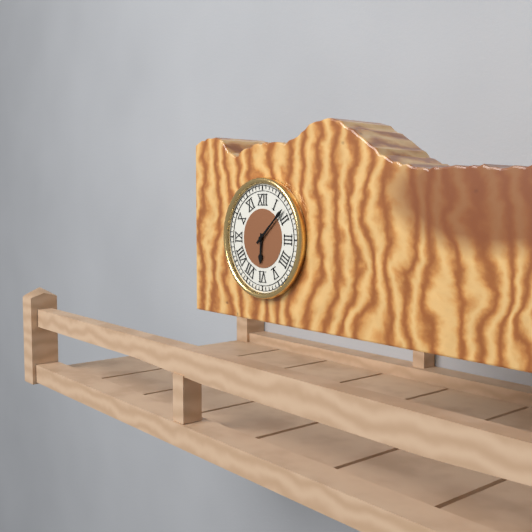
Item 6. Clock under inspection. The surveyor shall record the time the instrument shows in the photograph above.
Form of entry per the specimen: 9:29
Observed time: 6:08
